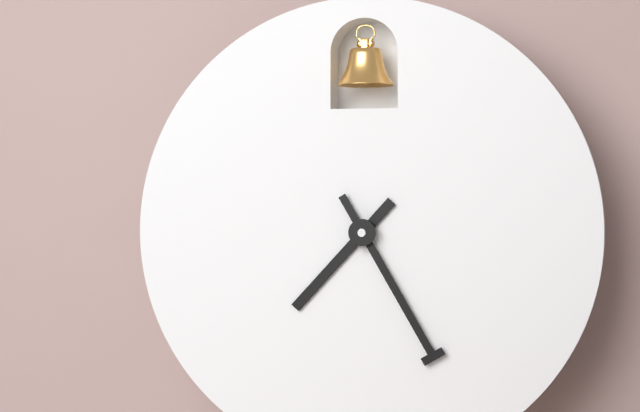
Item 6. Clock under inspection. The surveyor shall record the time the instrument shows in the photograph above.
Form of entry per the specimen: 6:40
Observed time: 7:25
